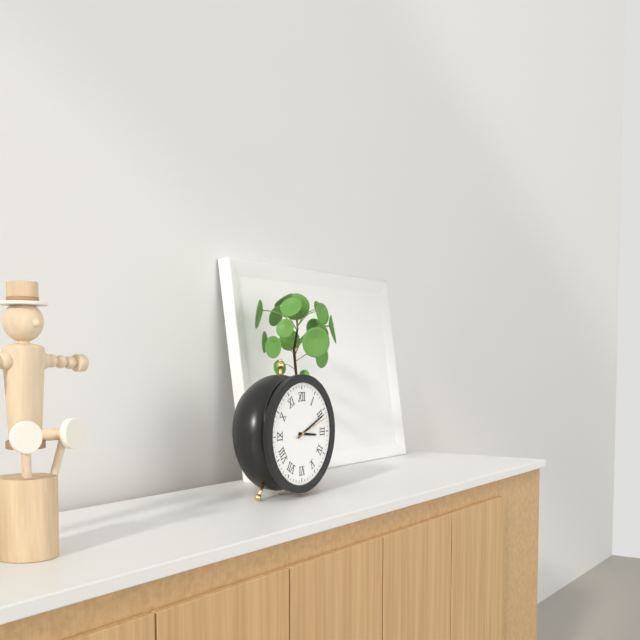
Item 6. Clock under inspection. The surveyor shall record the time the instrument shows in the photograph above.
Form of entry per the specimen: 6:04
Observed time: 3:11
